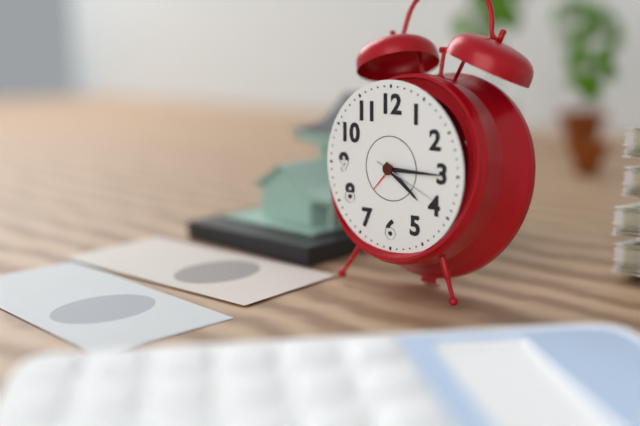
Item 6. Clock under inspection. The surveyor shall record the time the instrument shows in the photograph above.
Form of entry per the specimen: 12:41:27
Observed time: 4:15:19
